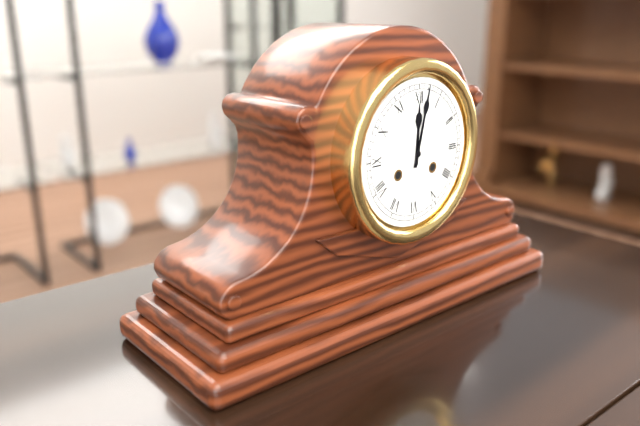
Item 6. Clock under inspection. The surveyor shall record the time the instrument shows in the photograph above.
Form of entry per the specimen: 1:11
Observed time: 12:02
